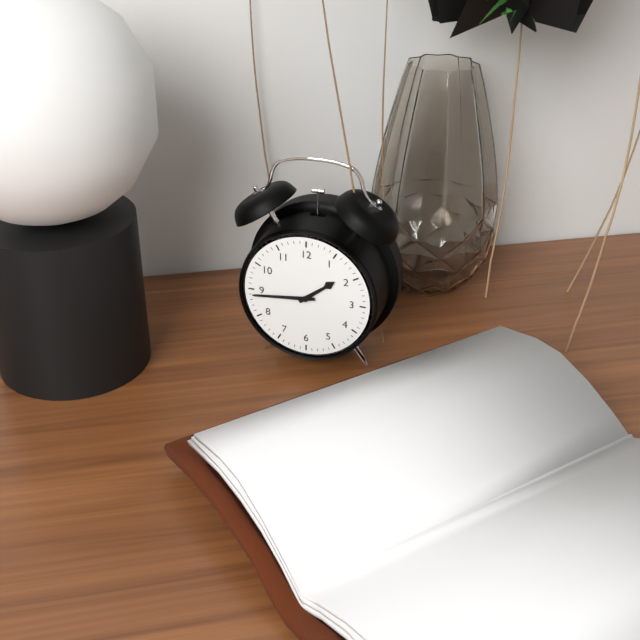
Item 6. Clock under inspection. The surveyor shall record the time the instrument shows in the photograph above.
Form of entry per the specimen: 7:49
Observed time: 1:44
